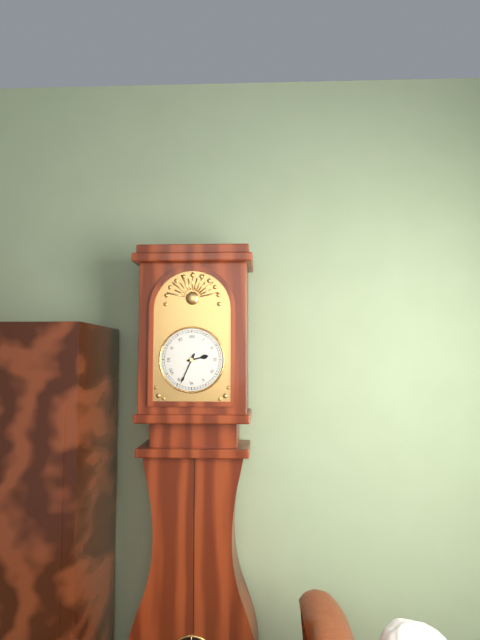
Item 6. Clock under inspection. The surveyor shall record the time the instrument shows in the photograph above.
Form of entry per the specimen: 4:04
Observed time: 2:34
